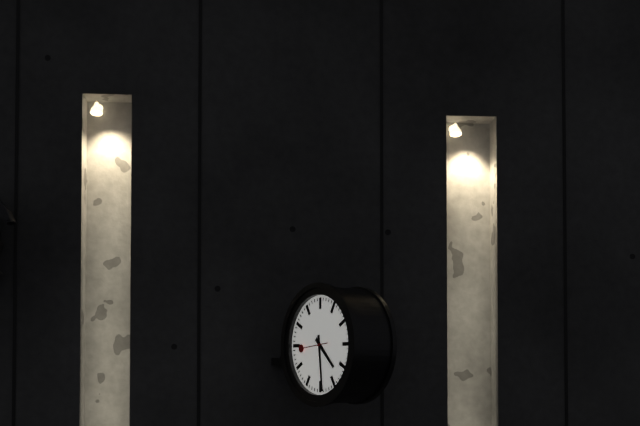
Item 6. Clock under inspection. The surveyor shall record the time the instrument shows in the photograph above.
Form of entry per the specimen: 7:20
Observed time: 4:29
